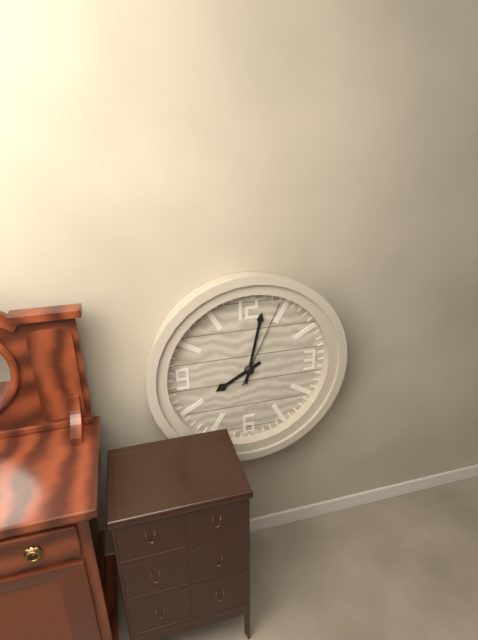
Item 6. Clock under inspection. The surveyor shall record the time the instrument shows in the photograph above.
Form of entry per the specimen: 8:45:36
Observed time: 8:02:04
